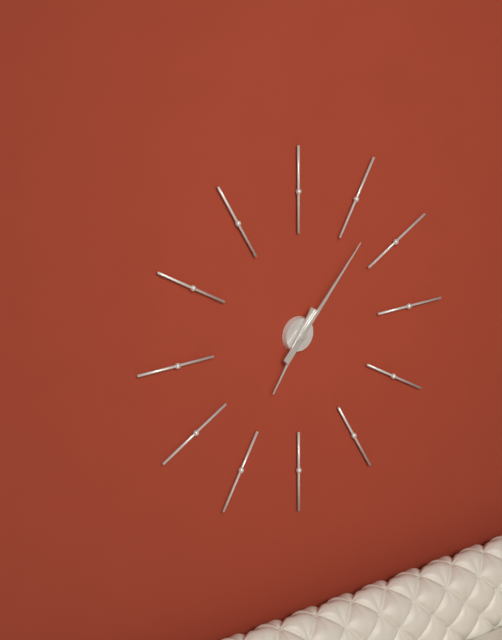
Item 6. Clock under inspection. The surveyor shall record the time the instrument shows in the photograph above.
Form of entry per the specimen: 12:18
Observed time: 7:07
